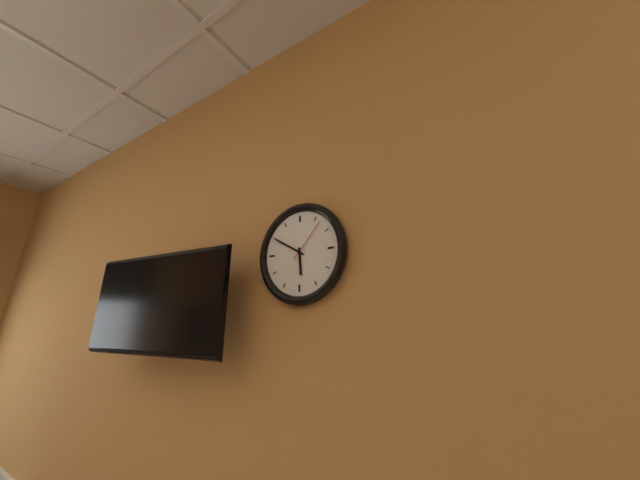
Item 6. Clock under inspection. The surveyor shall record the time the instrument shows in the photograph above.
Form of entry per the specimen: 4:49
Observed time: 5:50
